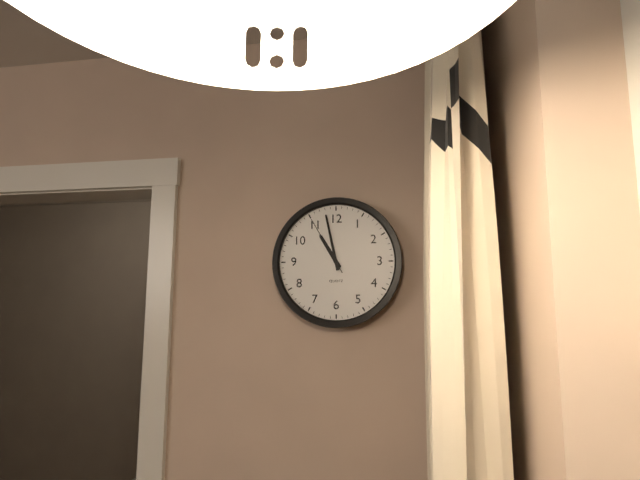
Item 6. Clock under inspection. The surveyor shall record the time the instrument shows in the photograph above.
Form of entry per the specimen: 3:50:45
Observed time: 10:58:55
